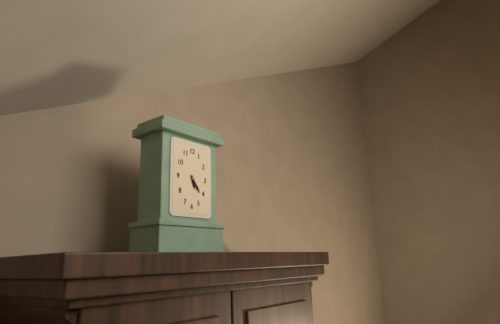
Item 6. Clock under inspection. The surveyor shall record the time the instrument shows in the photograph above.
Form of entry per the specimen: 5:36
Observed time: 5:24
